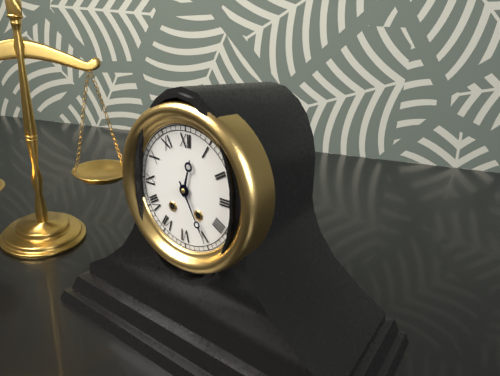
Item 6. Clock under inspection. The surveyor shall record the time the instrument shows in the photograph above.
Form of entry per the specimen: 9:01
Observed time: 12:25
